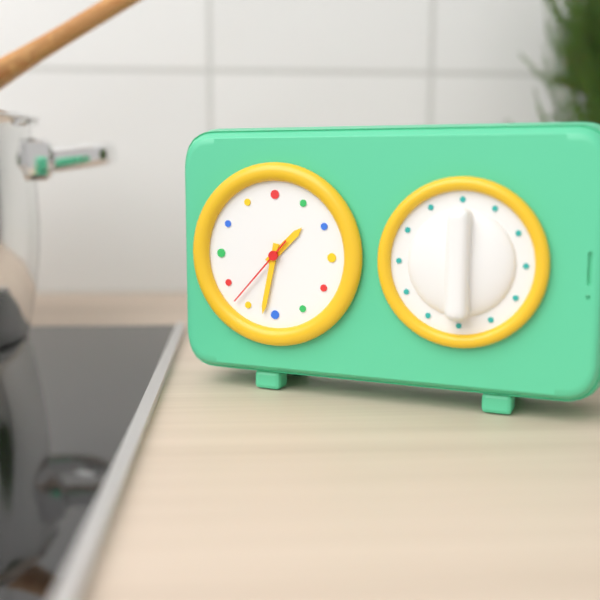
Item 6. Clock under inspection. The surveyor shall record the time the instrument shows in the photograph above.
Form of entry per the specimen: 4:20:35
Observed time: 1:32:37
